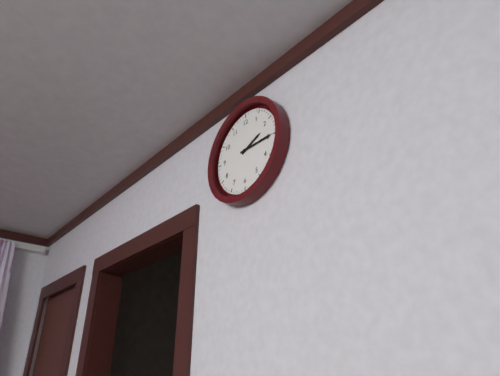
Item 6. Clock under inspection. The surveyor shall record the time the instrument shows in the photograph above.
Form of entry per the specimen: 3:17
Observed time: 2:15
